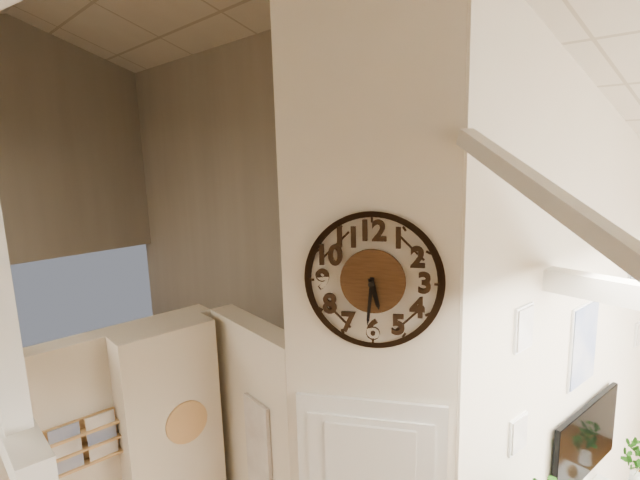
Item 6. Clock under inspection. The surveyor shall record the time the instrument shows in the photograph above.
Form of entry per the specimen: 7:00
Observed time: 5:31
